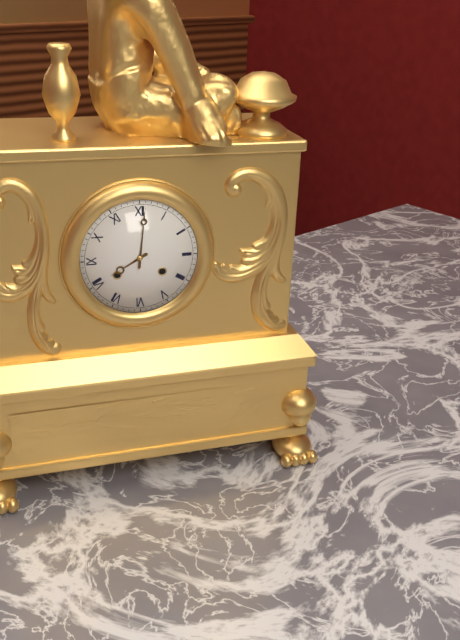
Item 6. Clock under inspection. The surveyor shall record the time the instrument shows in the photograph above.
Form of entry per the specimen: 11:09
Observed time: 8:01
